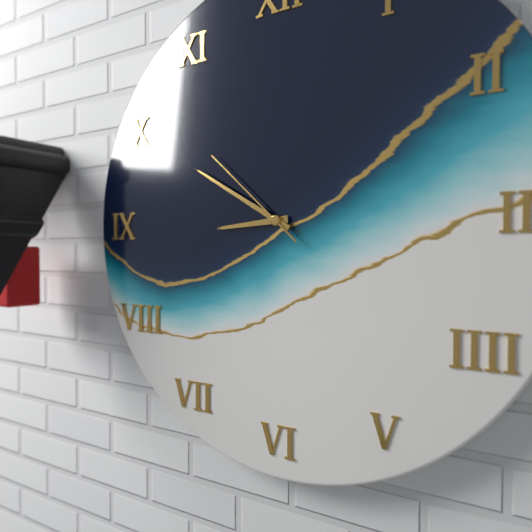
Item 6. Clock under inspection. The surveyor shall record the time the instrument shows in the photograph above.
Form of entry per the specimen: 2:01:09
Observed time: 8:50:52
